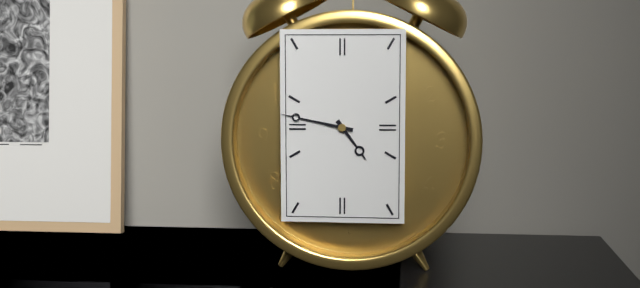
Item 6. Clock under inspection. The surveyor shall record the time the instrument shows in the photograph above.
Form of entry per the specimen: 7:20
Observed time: 4:47
